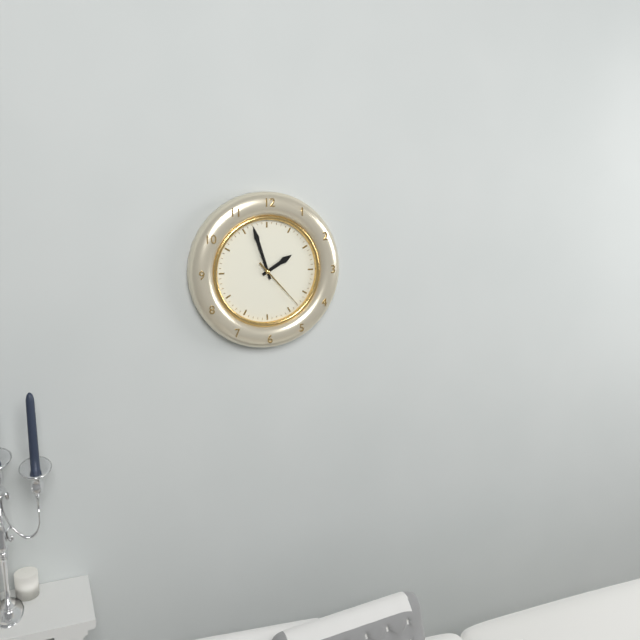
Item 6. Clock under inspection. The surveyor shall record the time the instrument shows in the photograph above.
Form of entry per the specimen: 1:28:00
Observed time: 1:57:23
